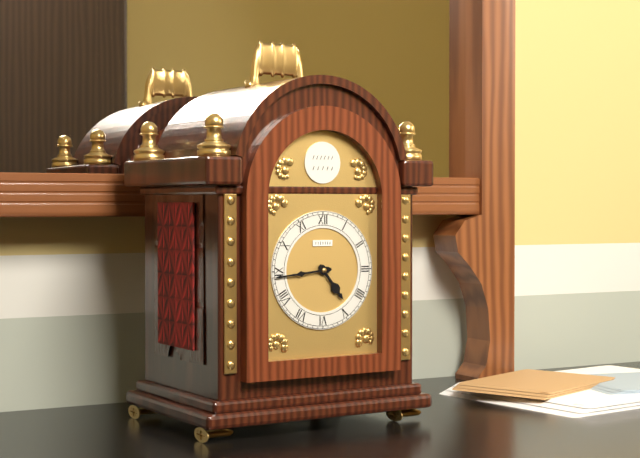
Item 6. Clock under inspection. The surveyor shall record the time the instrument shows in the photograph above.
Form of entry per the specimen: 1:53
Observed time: 4:44
